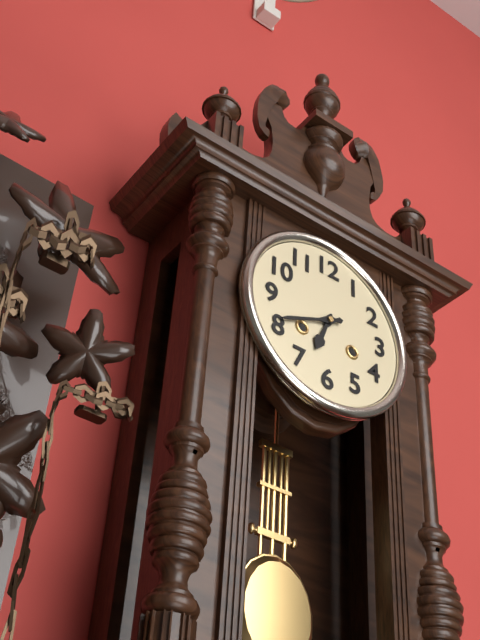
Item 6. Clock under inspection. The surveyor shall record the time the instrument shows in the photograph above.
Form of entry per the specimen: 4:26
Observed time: 6:41
